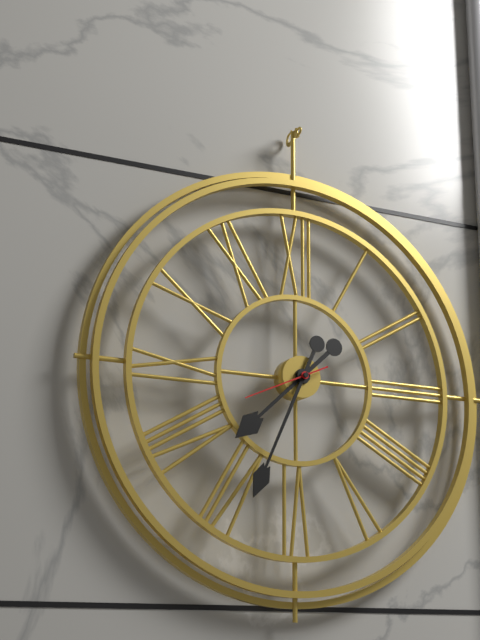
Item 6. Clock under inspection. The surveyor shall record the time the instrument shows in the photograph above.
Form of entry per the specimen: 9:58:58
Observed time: 7:34:41
